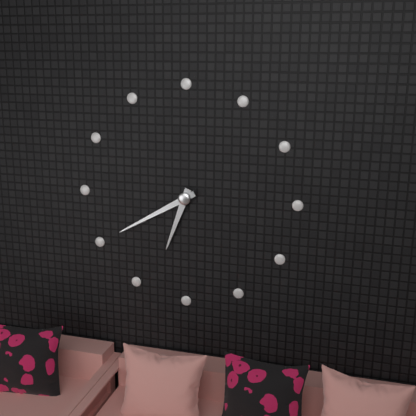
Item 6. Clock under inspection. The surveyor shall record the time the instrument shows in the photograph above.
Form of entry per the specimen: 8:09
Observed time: 6:40
